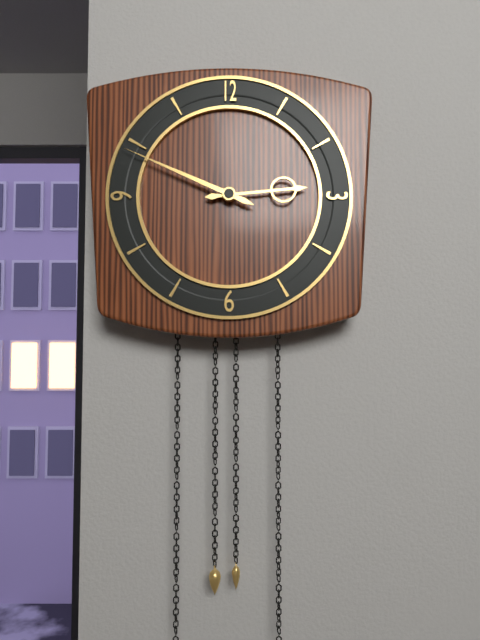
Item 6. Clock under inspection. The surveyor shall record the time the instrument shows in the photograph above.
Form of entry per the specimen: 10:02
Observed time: 2:49
